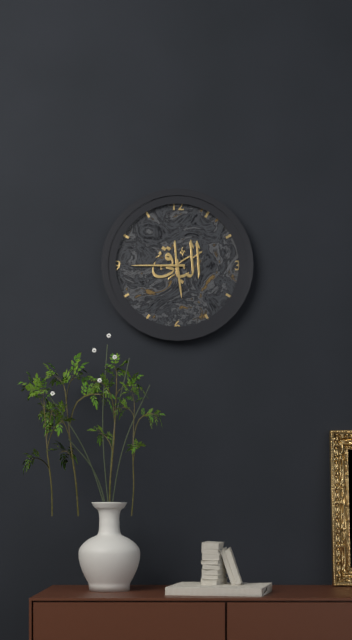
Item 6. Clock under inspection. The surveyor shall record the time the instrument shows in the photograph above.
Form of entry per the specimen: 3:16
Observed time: 5:45
